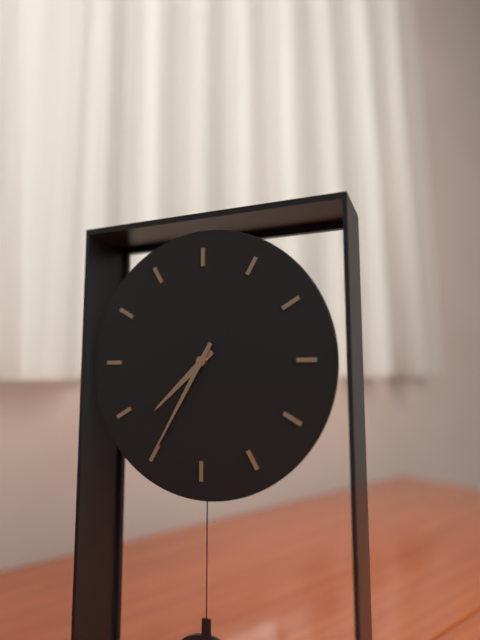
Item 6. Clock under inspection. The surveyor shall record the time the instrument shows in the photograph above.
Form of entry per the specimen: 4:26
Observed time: 7:35
